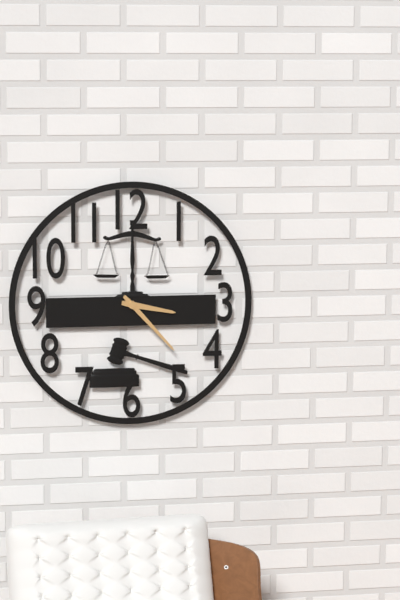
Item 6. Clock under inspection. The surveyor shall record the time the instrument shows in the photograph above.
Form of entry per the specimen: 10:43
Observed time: 3:23
